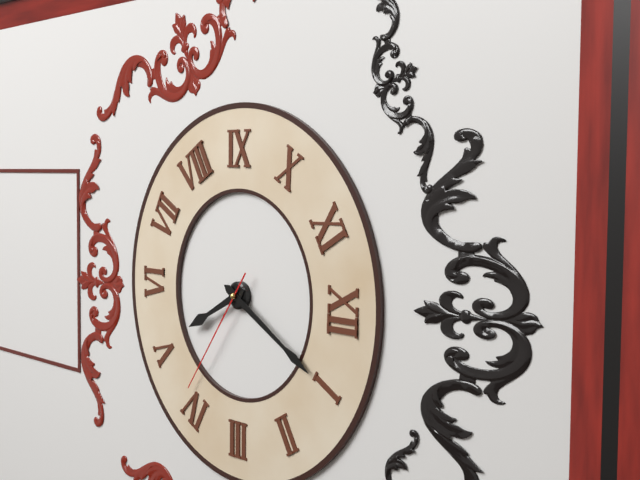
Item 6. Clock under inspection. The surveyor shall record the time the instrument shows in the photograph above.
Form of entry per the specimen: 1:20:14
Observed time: 5:05:21
